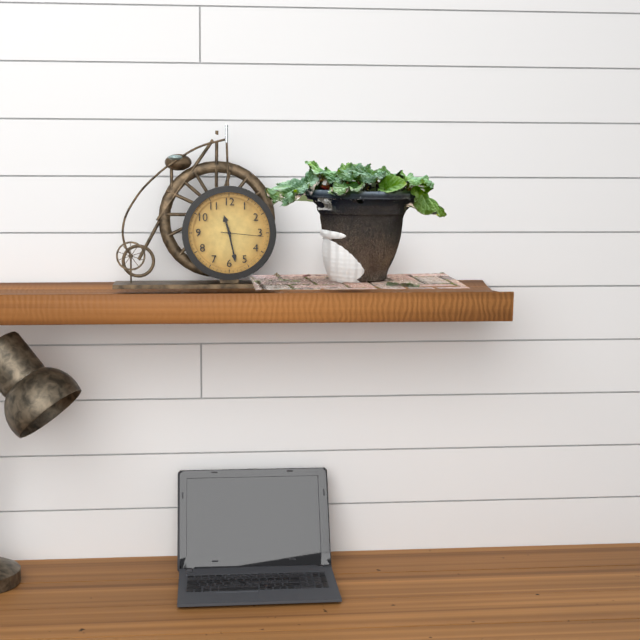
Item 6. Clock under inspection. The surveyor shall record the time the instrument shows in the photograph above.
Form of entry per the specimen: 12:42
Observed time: 11:28
